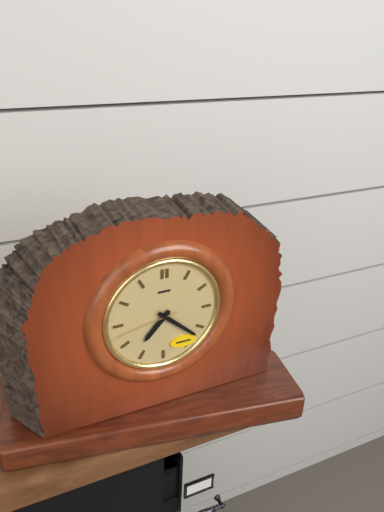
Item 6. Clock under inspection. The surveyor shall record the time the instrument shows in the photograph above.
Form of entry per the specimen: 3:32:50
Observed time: 7:22:43
